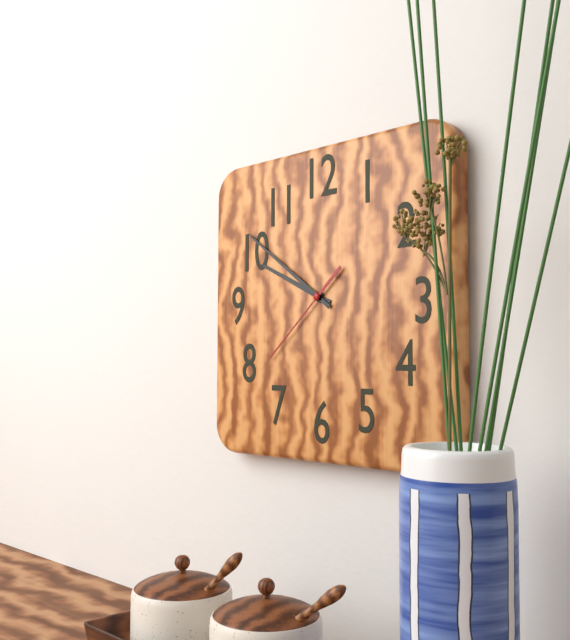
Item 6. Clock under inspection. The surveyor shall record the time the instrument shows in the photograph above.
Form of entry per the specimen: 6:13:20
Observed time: 9:51:38
